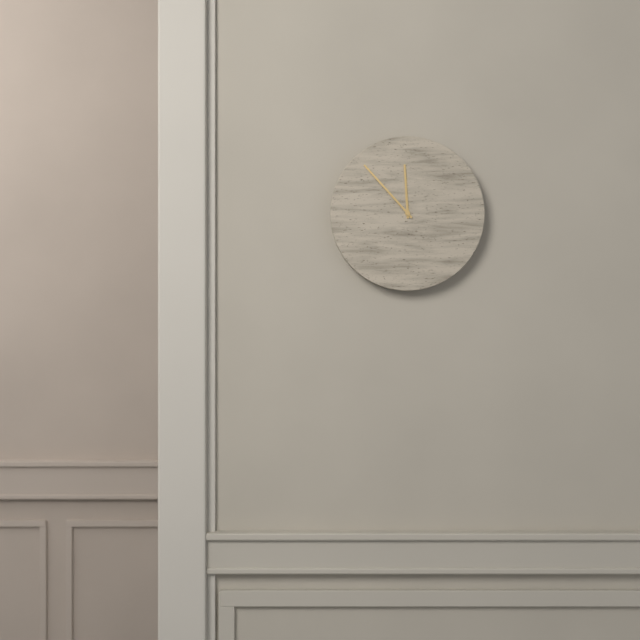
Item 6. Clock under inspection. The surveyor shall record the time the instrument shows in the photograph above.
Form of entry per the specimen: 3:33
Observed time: 11:53
